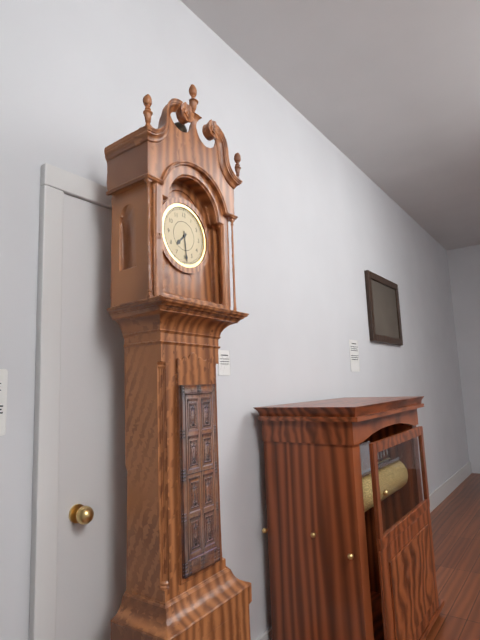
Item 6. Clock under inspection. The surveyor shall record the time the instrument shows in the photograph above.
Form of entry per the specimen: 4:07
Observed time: 7:29
